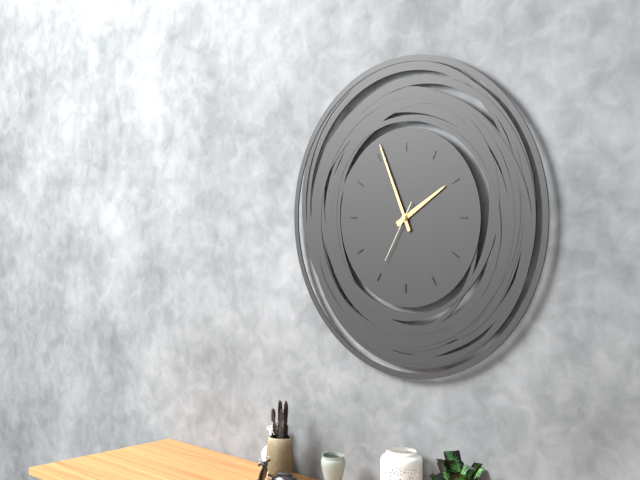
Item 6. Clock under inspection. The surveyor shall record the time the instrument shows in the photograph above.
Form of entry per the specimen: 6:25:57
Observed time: 1:56:35
